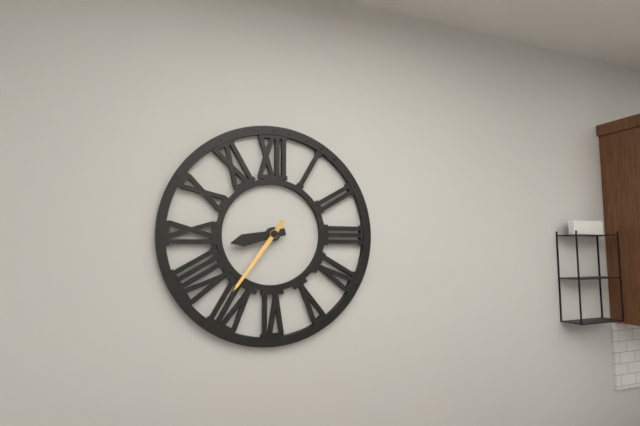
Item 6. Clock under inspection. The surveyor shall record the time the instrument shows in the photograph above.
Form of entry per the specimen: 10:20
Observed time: 8:36
